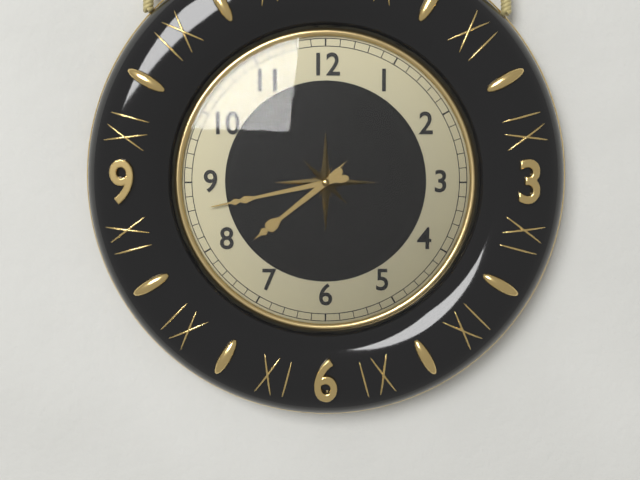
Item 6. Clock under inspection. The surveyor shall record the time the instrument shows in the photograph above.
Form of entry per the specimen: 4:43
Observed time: 7:43
